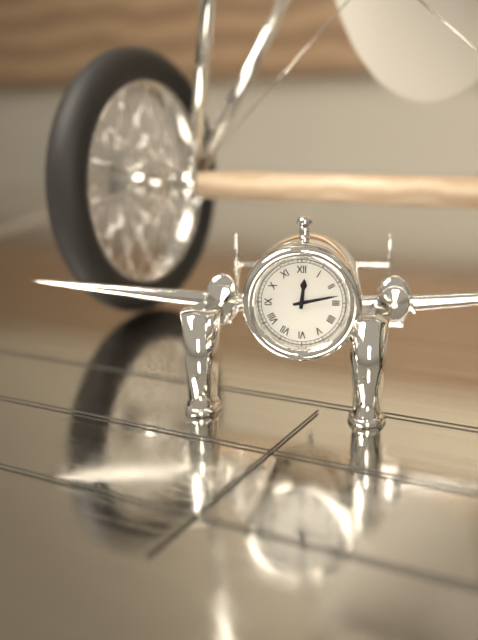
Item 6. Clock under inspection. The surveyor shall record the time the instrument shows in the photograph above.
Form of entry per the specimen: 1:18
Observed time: 12:13
